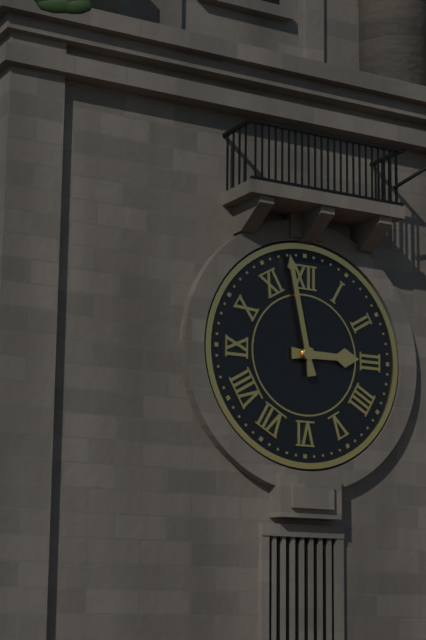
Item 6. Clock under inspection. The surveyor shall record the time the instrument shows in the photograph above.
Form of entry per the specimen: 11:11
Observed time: 2:58
